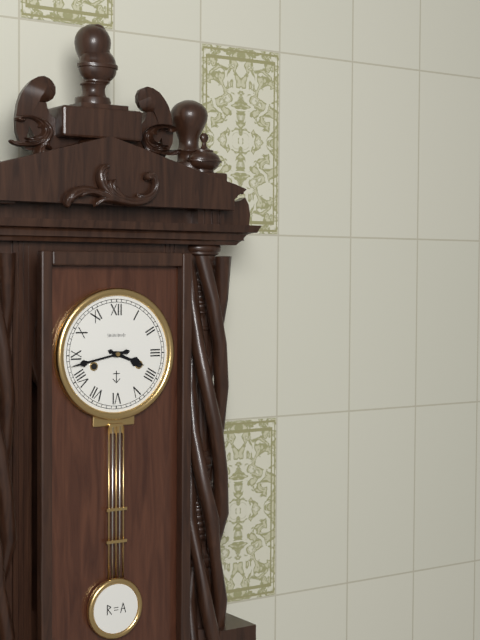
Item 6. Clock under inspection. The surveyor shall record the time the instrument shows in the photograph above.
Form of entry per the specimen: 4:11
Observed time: 3:43
